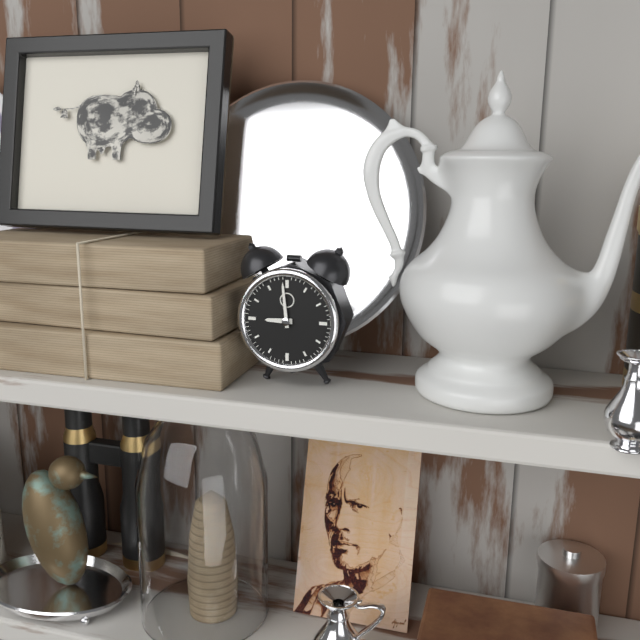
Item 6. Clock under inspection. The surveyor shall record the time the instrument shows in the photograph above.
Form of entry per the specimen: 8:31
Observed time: 8:59
